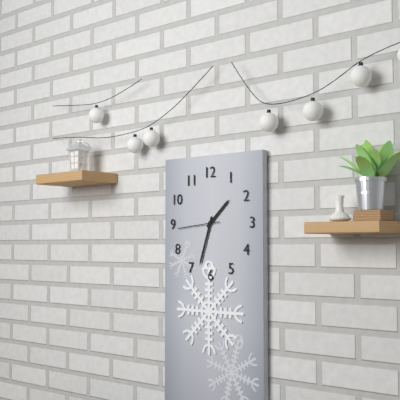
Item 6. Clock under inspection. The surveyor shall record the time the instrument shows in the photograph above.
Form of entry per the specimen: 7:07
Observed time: 1:33
